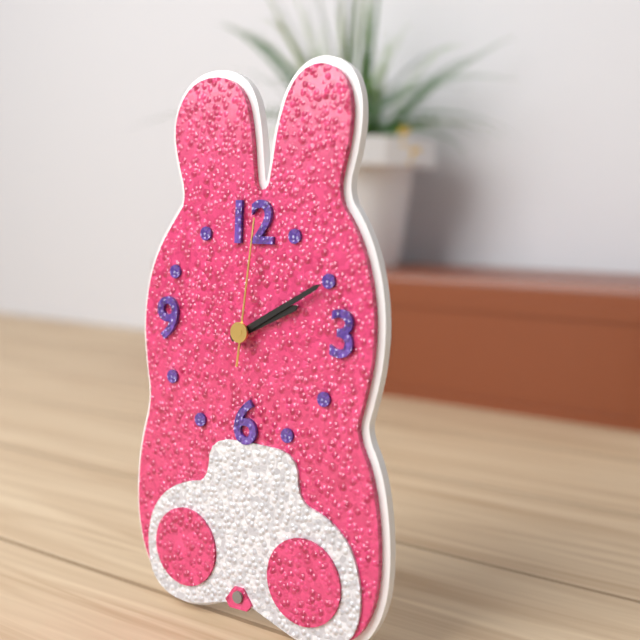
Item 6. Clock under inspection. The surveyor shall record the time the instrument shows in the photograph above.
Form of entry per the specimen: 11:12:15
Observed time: 2:10:01
